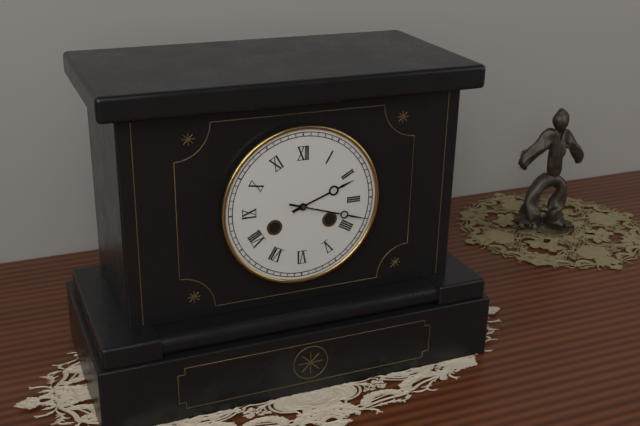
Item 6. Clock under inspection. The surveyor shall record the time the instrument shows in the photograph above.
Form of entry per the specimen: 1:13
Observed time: 2:18
